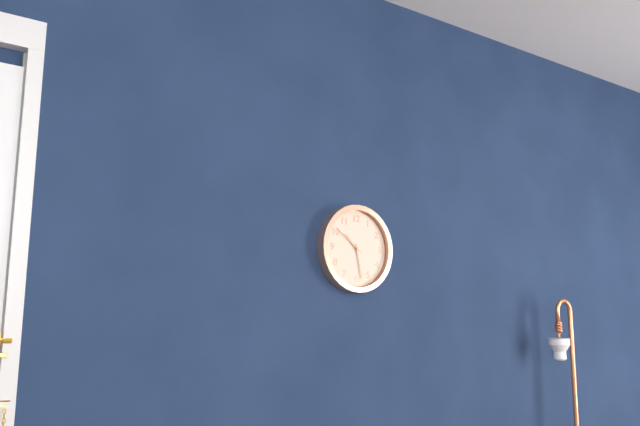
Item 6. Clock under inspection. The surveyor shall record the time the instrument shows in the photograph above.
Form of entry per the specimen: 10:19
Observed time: 10:28
